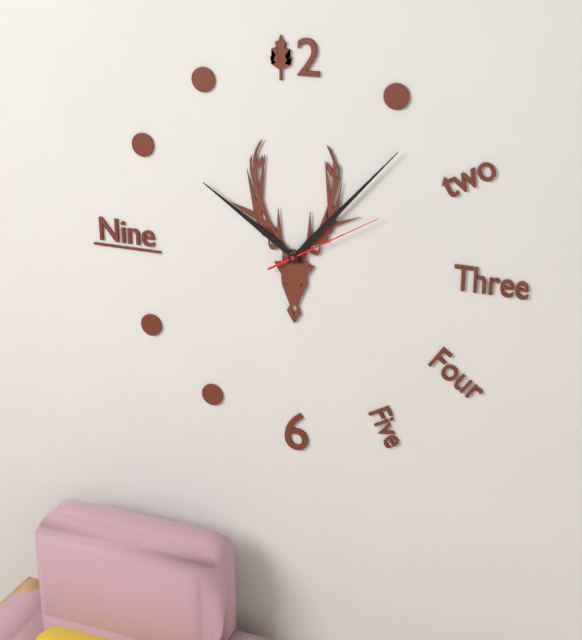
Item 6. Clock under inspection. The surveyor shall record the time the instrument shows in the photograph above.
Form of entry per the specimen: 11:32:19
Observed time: 10:07:10
